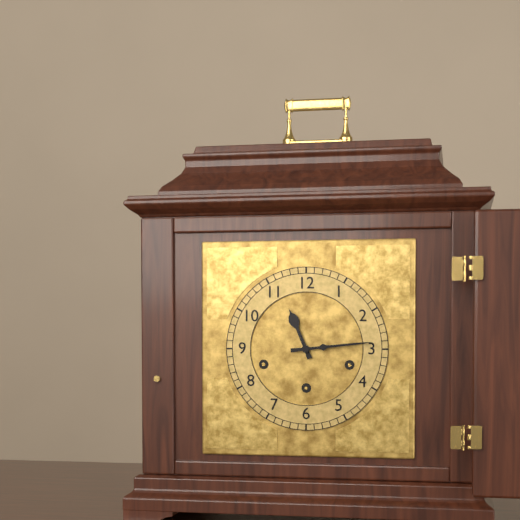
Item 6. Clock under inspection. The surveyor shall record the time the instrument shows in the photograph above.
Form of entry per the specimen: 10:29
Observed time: 11:14
